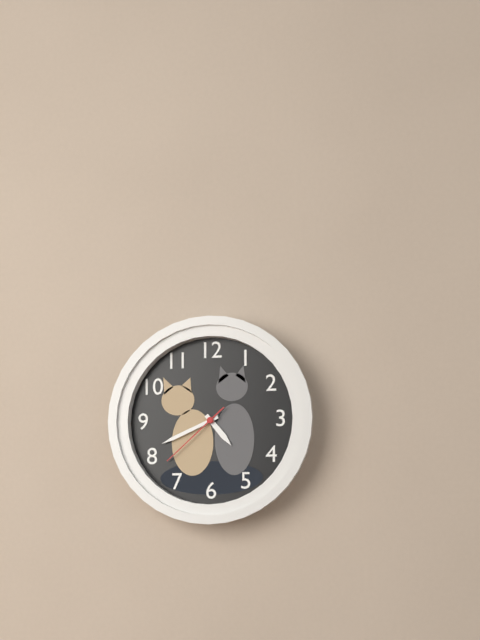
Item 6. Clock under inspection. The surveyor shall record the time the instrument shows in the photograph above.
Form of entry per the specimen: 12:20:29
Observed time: 4:41:38
